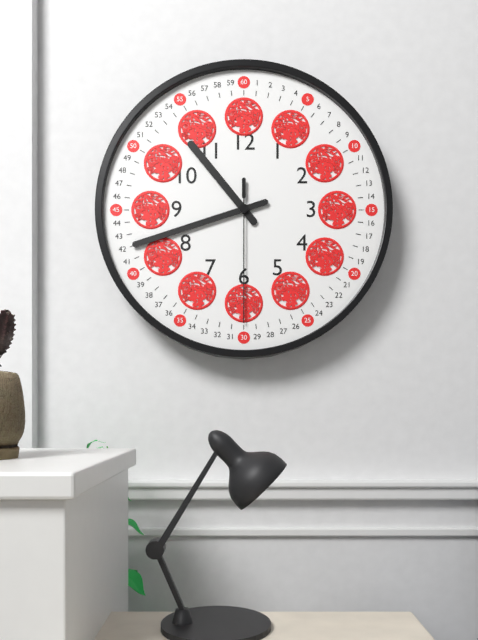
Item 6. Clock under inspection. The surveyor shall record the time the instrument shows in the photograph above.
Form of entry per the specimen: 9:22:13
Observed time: 10:42:30
